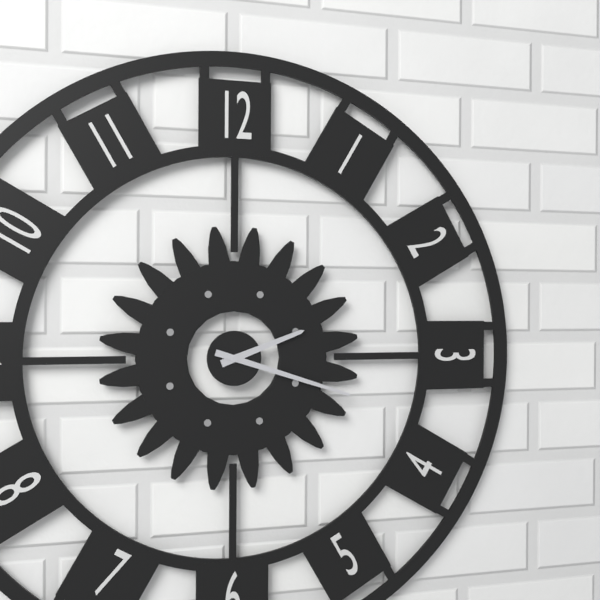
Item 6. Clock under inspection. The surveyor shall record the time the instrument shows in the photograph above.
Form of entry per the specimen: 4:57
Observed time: 2:18
